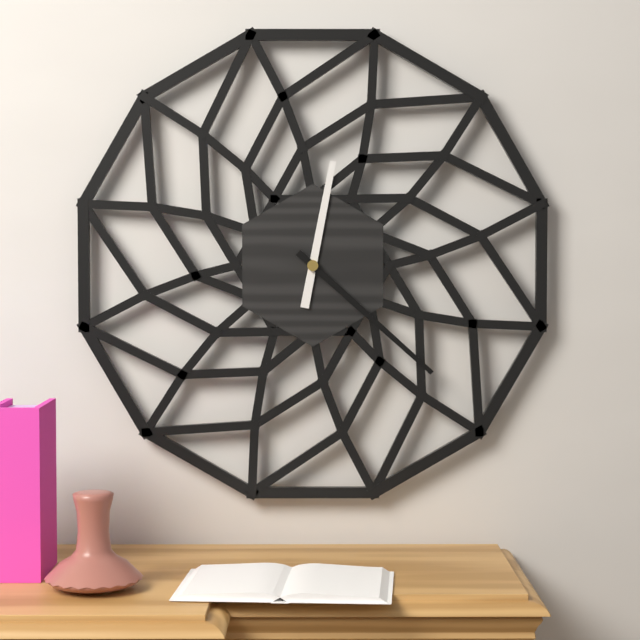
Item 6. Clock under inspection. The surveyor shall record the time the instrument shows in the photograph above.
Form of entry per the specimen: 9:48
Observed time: 12:22
